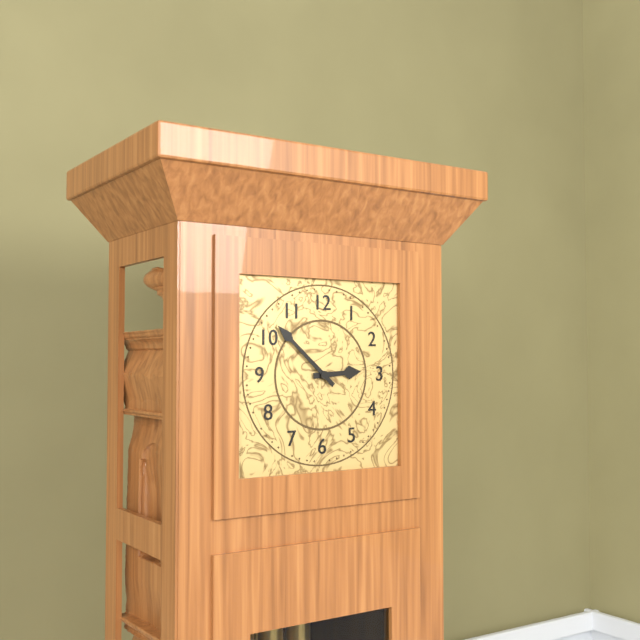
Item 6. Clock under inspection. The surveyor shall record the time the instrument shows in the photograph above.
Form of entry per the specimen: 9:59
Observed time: 2:52
